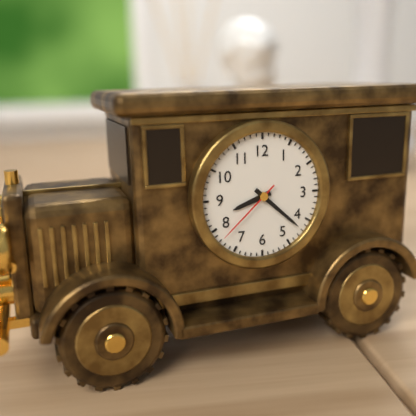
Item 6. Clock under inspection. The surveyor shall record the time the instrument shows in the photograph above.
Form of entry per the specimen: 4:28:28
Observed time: 8:22:38
